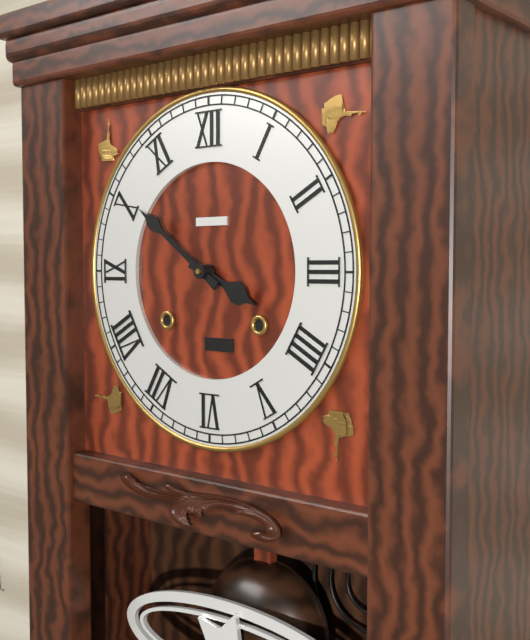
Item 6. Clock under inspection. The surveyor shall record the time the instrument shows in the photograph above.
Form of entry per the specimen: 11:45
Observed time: 3:51
